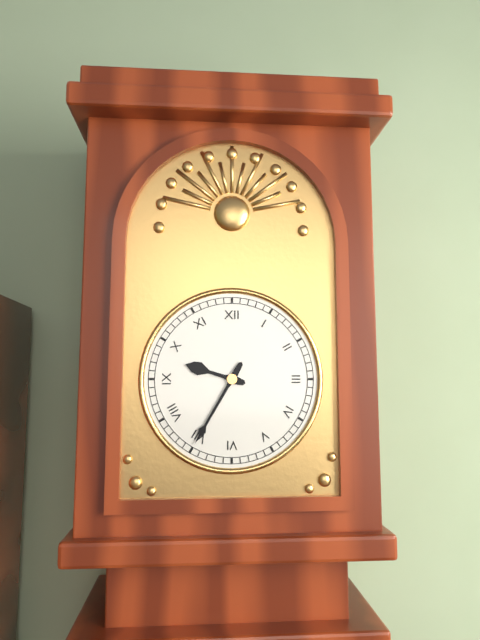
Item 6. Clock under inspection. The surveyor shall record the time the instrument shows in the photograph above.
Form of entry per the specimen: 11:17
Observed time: 9:35
